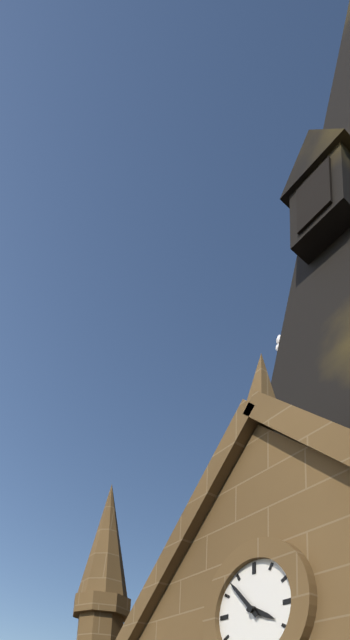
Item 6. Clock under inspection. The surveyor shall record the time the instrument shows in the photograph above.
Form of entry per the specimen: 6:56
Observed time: 3:53
